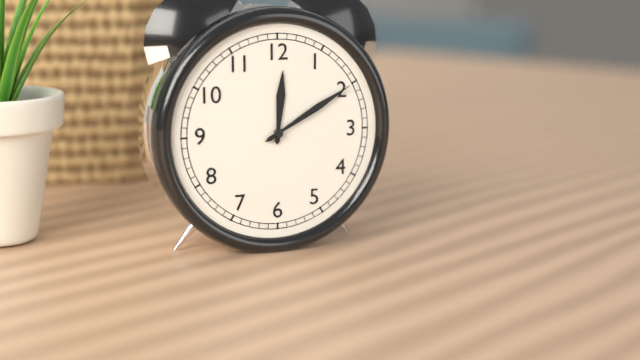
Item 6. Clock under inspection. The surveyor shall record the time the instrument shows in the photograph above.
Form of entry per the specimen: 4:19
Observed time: 12:10
